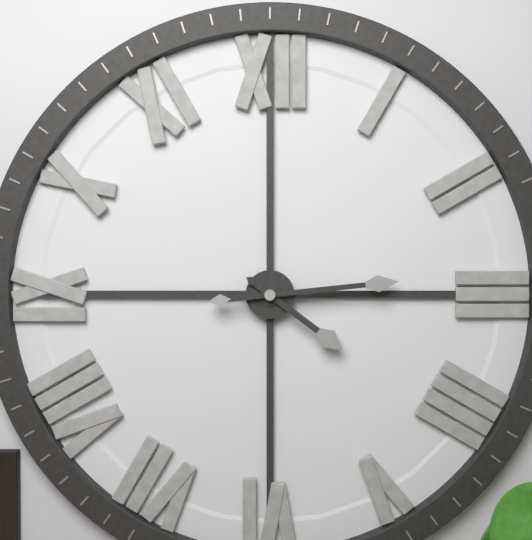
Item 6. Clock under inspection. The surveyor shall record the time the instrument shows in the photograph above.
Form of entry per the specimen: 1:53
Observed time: 4:14
